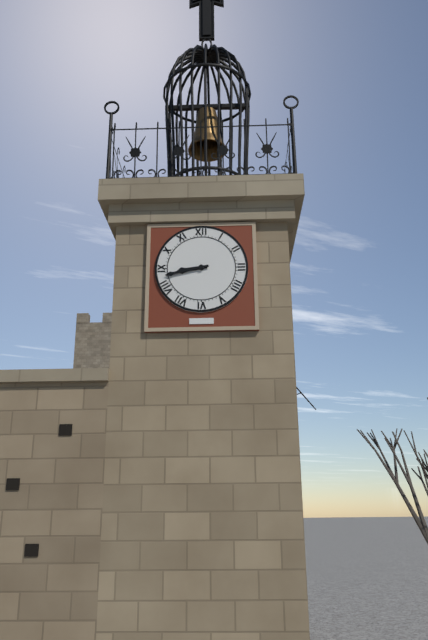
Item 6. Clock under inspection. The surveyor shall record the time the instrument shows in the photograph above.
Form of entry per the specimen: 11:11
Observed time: 8:43
